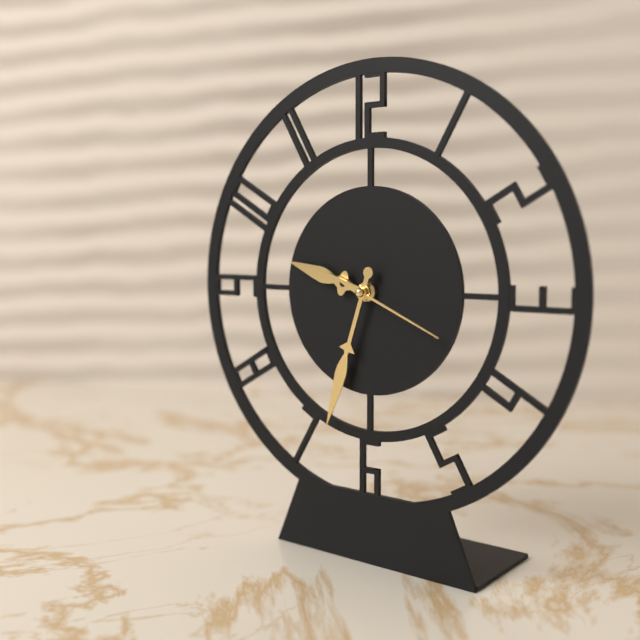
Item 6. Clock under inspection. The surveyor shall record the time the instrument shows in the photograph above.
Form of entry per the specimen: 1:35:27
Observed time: 9:33:19
